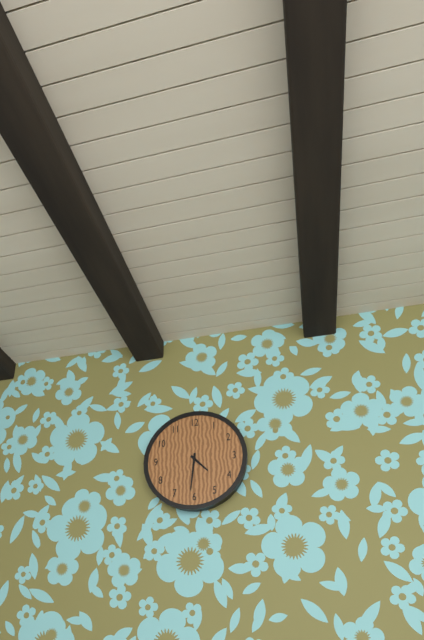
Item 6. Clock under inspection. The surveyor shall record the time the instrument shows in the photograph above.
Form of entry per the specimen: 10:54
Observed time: 4:31
